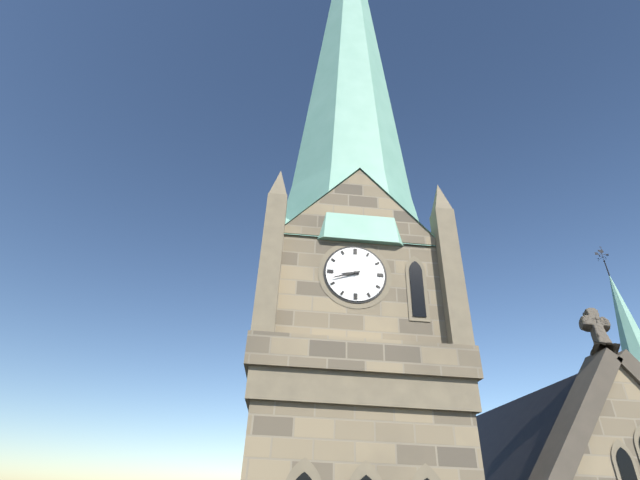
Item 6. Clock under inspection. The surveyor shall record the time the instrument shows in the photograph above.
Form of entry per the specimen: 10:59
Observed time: 8:42
